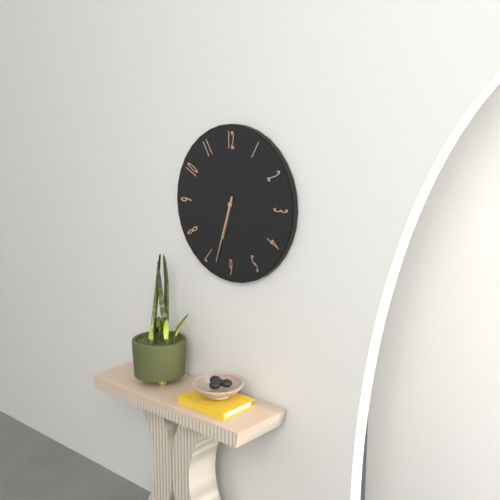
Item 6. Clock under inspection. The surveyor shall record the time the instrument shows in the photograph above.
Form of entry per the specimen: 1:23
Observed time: 6:33
